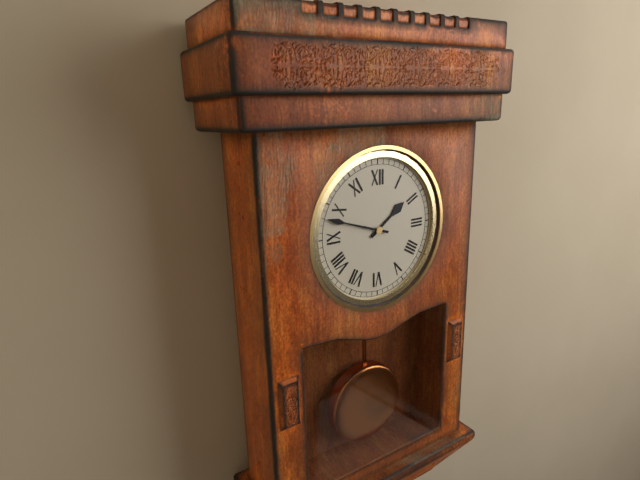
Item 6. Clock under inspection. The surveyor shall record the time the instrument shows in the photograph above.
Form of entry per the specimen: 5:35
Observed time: 1:48
